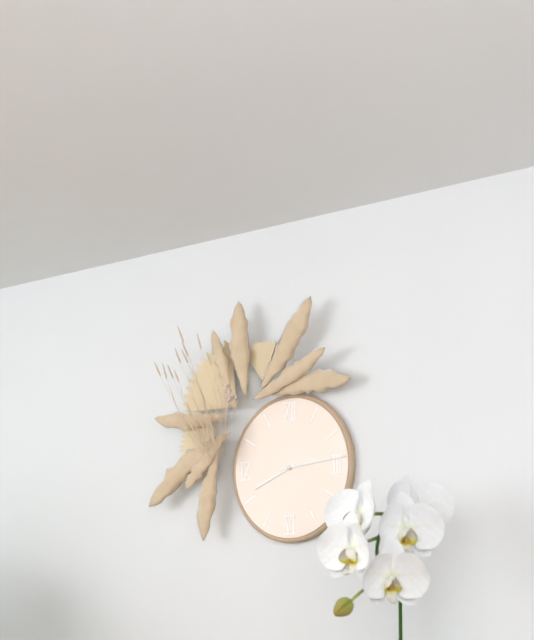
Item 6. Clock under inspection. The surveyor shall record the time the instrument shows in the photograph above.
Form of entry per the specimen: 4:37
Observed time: 8:14
